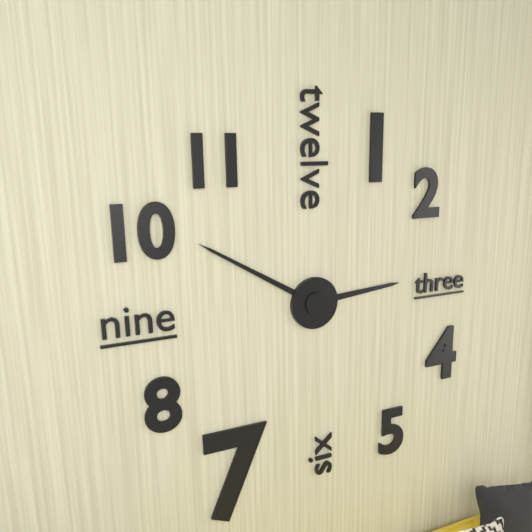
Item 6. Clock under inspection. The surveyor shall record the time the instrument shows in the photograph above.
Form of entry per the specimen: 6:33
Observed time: 2:50
